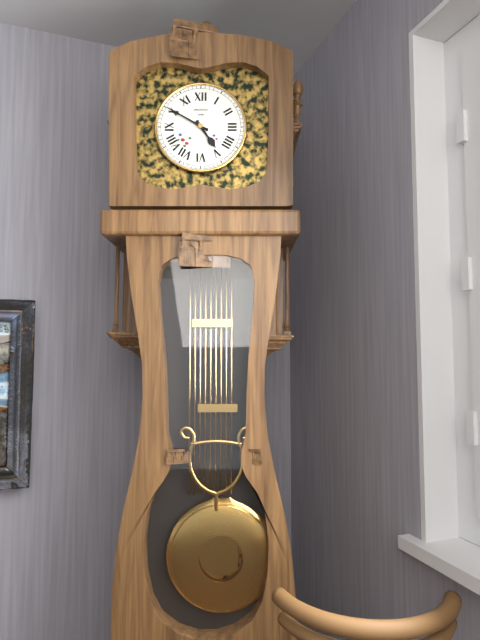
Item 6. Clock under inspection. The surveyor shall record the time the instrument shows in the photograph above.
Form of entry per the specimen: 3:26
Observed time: 4:50
